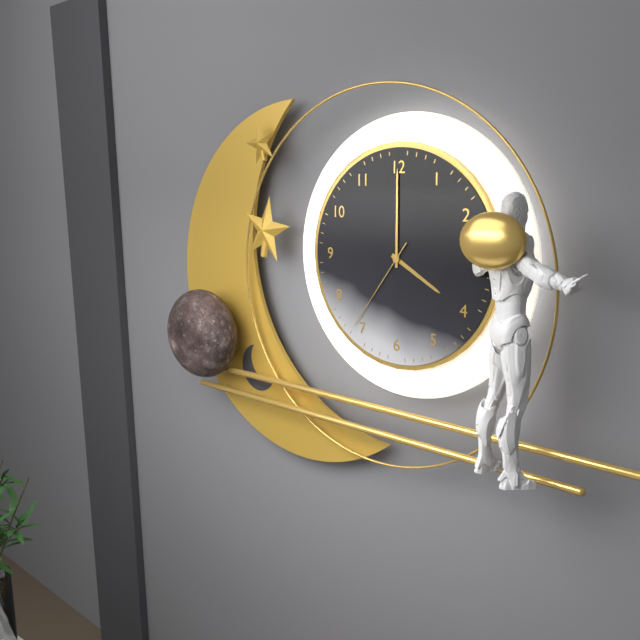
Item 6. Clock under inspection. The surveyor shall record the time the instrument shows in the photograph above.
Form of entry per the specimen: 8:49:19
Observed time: 4:00:36
